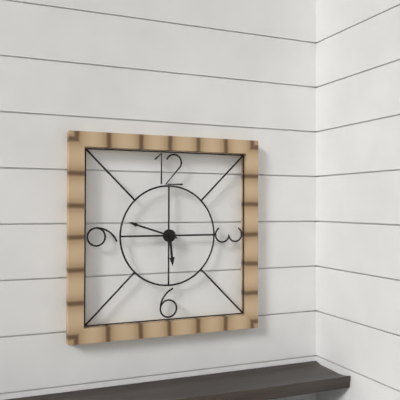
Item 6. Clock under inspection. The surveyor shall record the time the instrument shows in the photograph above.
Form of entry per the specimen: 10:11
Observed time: 5:48
